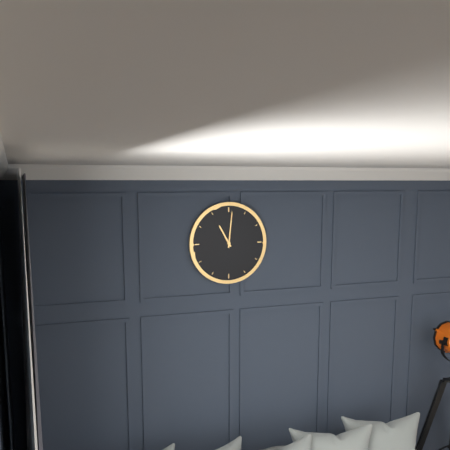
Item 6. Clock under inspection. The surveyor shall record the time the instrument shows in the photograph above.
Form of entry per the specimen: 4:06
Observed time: 11:01
